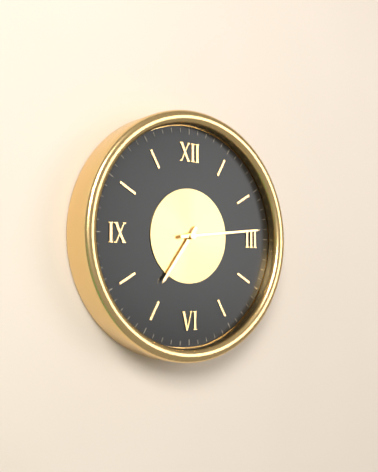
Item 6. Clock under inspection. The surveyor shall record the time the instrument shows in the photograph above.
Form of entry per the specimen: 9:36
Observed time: 7:14
